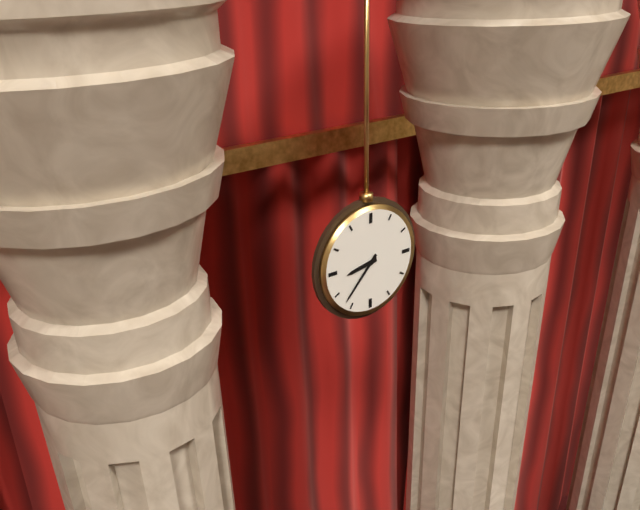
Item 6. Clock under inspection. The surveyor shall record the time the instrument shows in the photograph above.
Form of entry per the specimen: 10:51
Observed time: 8:37
